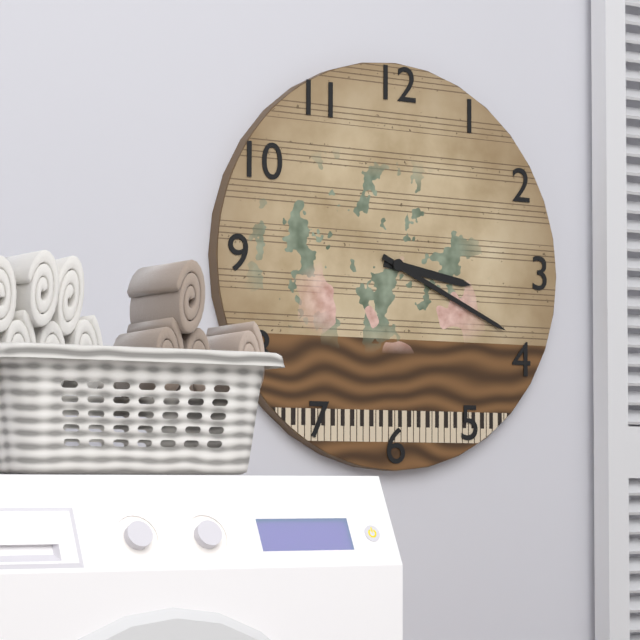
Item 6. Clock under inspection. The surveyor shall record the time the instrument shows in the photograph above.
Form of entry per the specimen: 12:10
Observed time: 3:19
